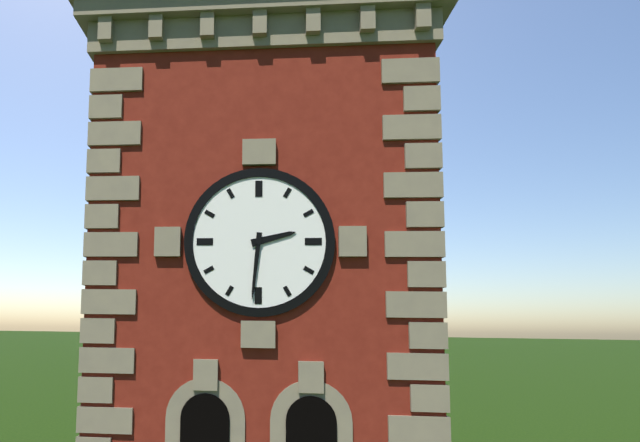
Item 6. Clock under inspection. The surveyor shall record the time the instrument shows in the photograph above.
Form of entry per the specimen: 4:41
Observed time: 2:31
